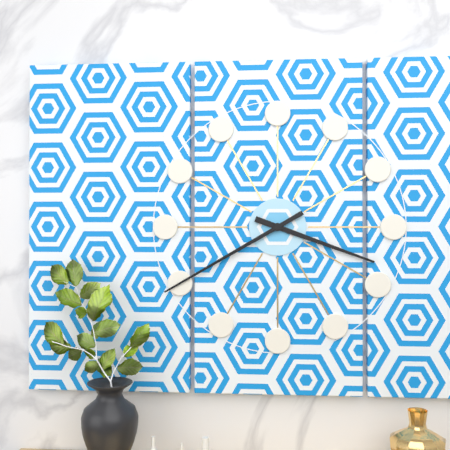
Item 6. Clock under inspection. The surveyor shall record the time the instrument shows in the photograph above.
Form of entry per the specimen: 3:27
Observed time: 3:40
